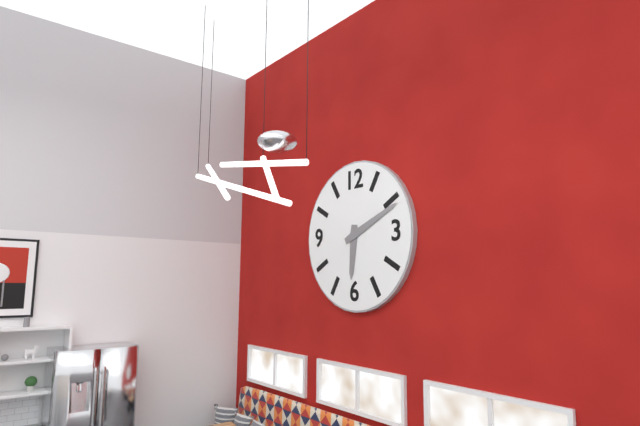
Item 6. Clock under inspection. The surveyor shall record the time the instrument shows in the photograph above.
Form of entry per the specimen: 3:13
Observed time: 6:11
